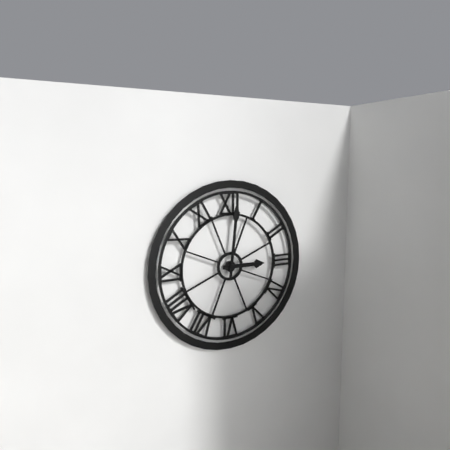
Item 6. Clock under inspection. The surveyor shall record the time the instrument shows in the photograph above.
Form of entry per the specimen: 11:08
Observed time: 3:01
